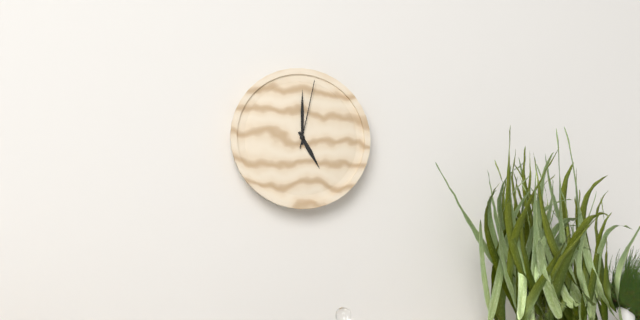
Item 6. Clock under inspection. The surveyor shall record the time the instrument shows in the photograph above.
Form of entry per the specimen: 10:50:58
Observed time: 5:00:02
